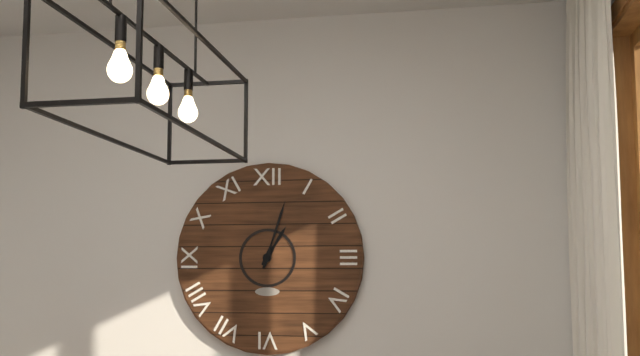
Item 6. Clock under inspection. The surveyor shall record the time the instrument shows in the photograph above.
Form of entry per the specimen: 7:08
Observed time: 1:03
